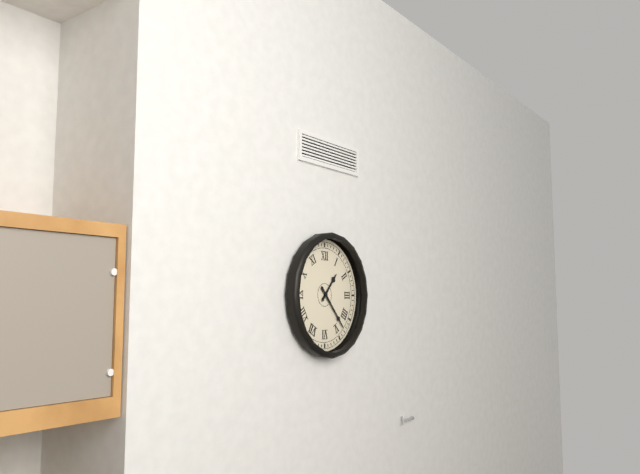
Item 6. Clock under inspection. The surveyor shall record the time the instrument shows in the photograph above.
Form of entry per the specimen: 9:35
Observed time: 1:23
